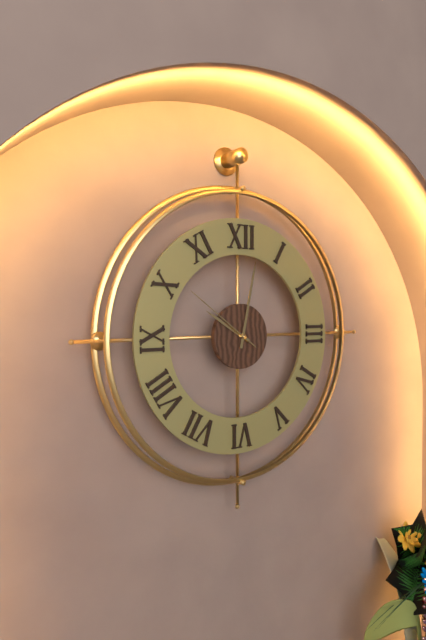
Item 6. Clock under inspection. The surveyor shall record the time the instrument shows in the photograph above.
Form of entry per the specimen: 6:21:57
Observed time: 10:02:51
